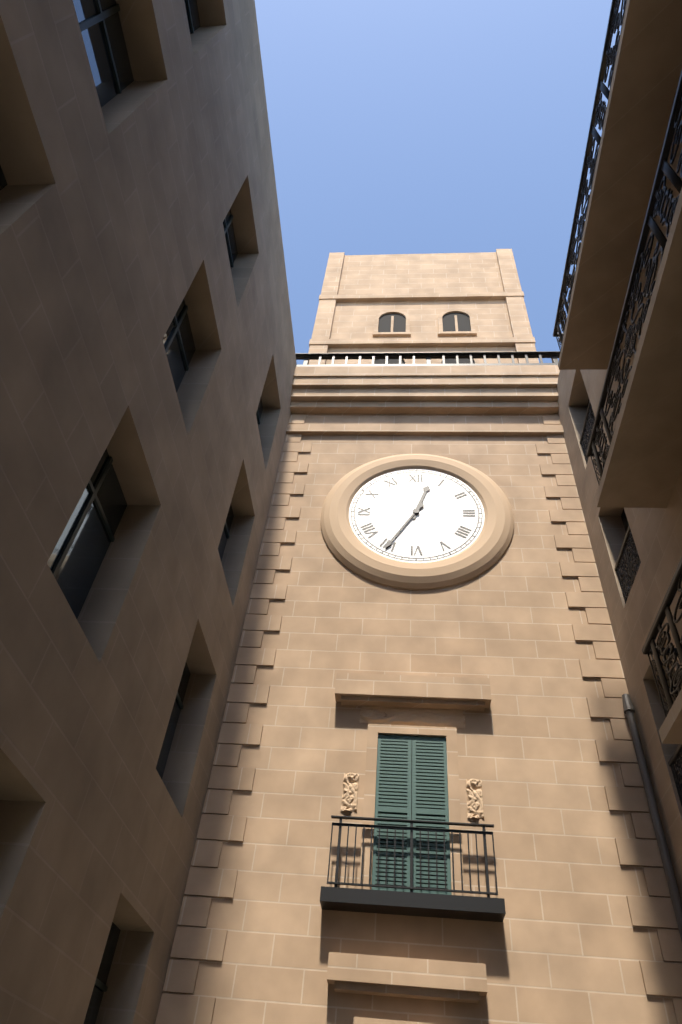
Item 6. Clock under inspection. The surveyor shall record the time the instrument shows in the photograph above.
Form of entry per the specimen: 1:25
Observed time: 12:35
